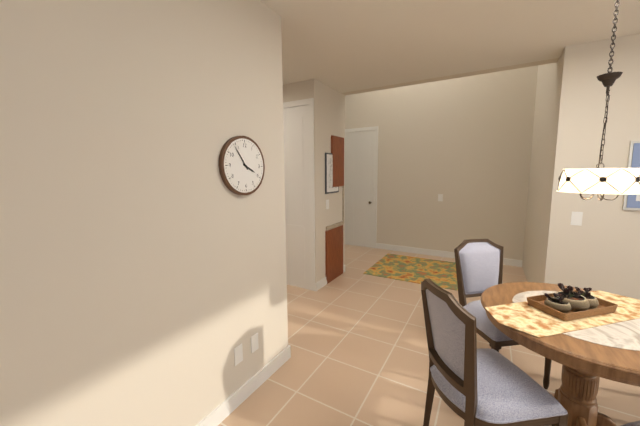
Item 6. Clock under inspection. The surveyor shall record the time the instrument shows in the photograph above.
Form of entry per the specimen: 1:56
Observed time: 3:54
